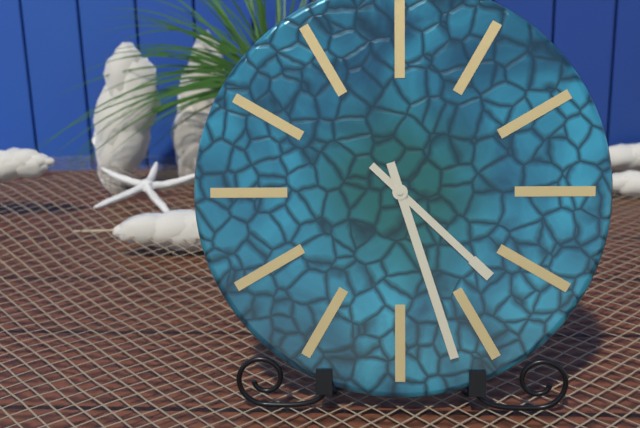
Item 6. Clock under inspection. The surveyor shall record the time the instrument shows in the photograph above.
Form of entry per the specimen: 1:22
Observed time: 4:27
